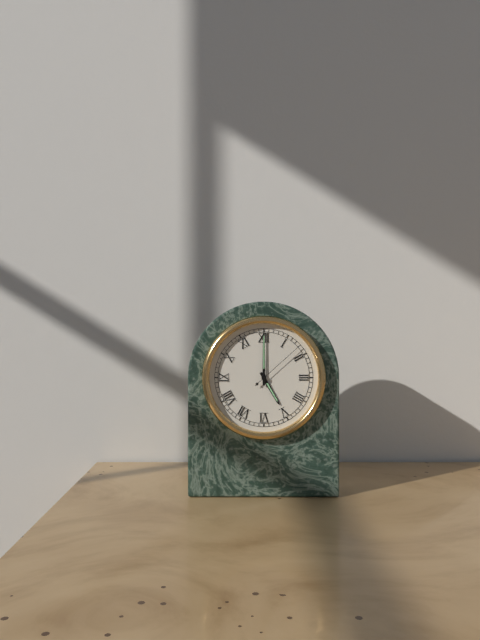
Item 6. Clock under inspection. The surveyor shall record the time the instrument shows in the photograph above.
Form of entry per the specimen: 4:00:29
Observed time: 5:00:08
